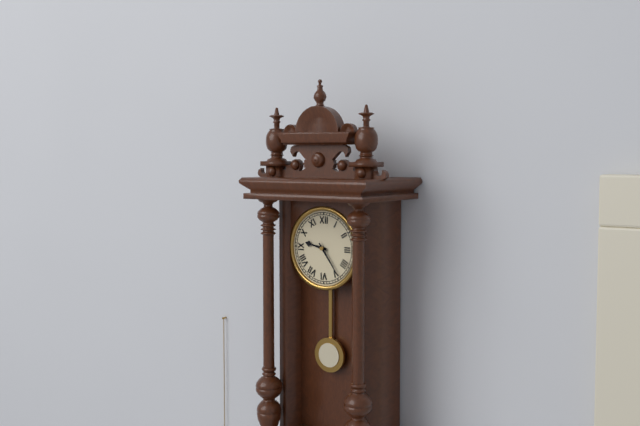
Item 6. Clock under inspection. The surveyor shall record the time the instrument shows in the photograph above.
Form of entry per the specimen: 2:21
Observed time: 9:24
